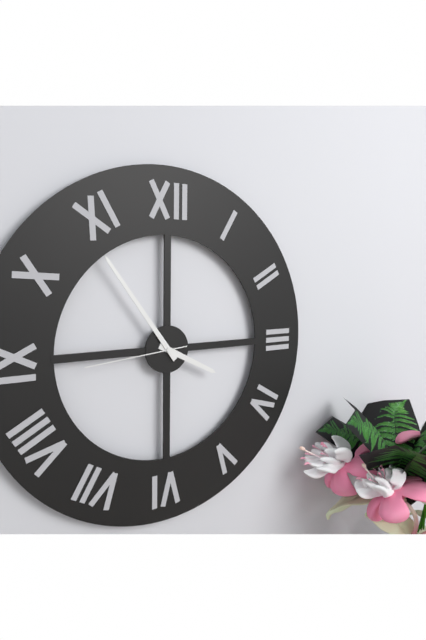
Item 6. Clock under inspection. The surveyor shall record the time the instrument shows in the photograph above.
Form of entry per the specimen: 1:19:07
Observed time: 3:54:44
